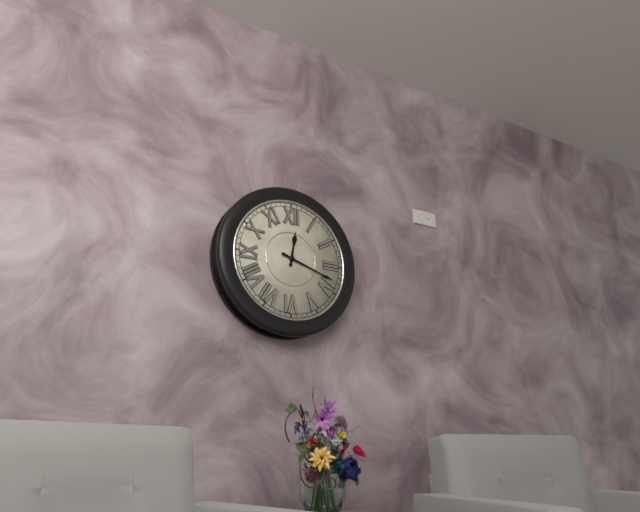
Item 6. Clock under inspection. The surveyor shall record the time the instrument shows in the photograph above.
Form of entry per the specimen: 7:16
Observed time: 12:18
